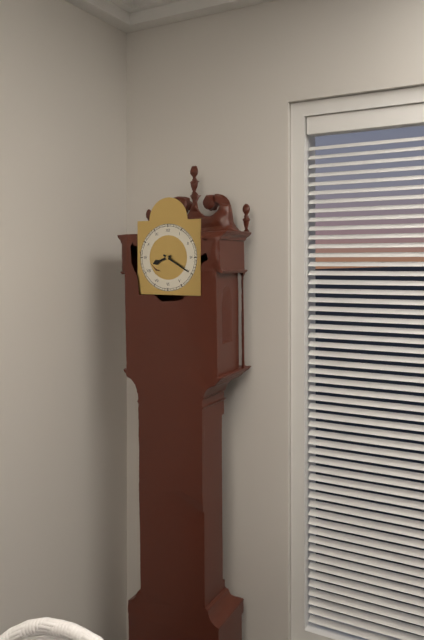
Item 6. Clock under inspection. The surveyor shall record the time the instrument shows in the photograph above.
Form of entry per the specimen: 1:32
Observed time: 8:20
